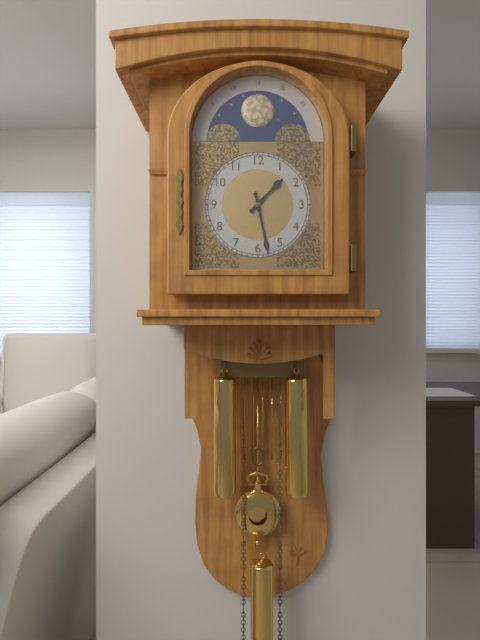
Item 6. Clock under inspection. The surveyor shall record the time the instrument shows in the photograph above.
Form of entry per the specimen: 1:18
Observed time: 1:28
